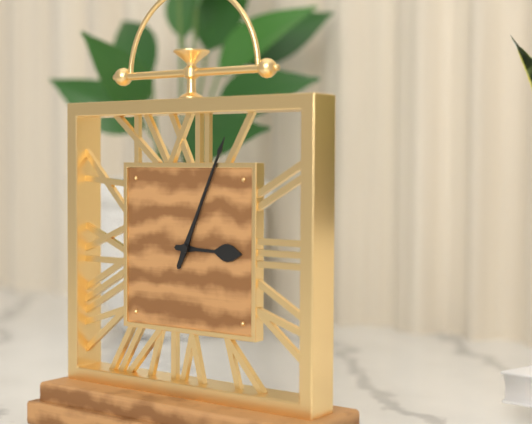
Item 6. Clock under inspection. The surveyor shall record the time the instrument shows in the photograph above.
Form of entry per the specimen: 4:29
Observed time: 3:04
